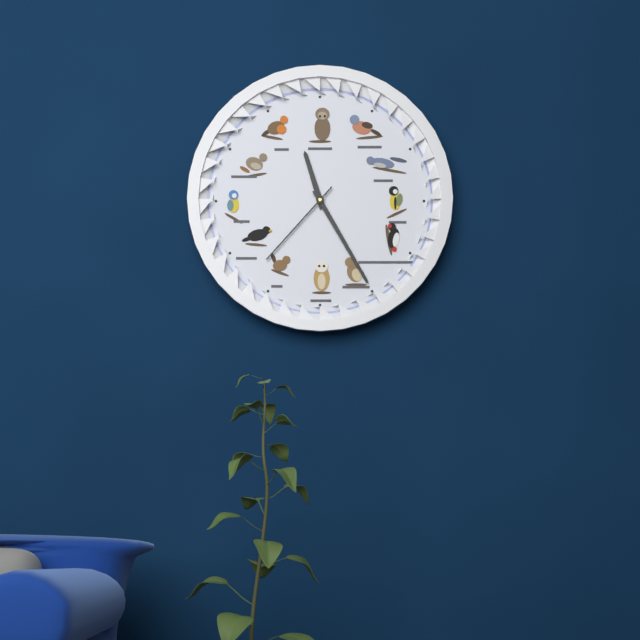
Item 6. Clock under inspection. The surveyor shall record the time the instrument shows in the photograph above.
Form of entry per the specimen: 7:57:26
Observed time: 11:25:37
